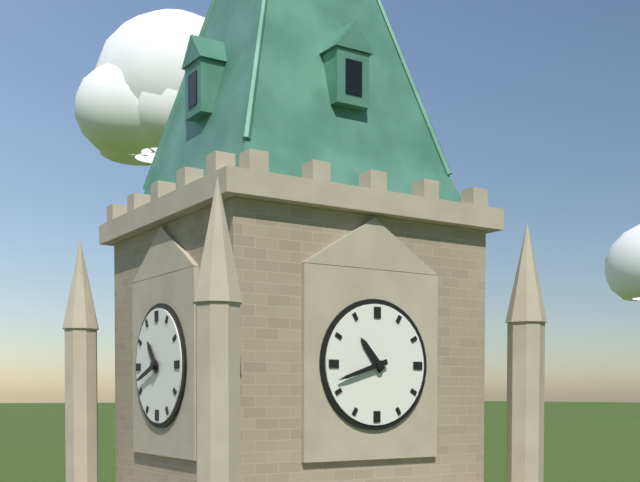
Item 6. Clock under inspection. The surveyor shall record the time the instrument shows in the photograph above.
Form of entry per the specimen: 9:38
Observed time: 10:42
